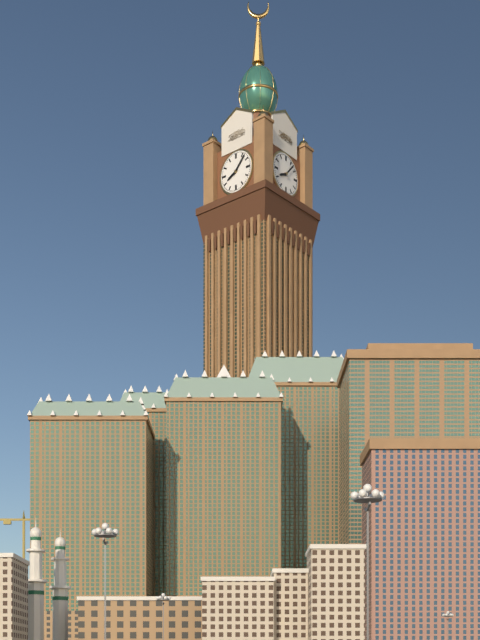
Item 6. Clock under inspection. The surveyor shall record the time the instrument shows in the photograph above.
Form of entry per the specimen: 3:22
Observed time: 8:07
